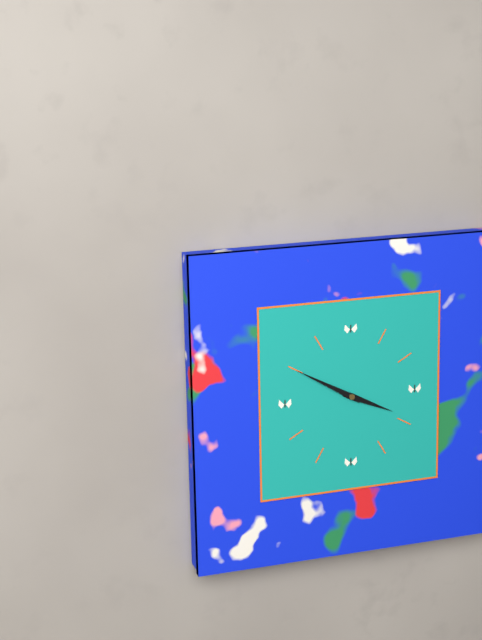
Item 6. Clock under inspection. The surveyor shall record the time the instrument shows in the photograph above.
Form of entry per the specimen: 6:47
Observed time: 3:50
